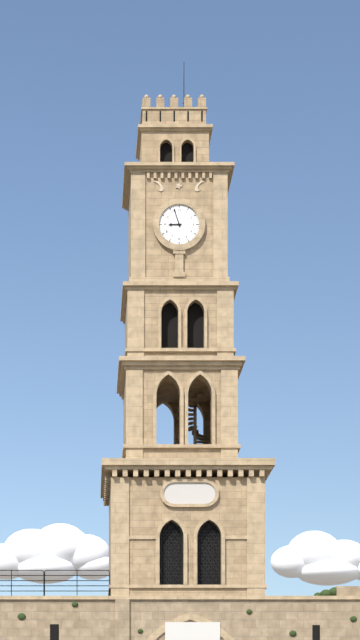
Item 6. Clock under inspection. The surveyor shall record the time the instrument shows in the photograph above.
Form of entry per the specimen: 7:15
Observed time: 8:57
